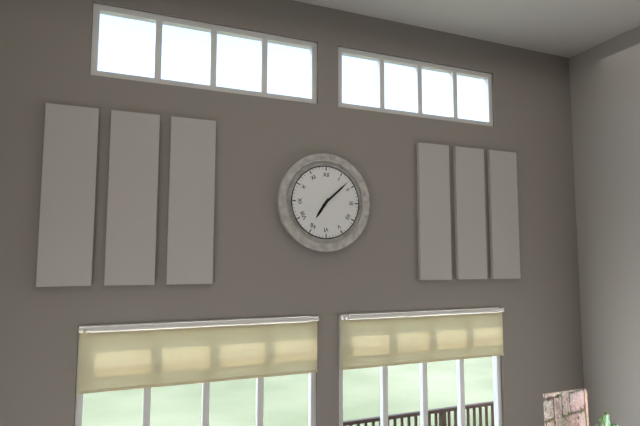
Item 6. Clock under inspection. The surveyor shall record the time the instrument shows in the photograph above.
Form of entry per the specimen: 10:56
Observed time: 7:08
